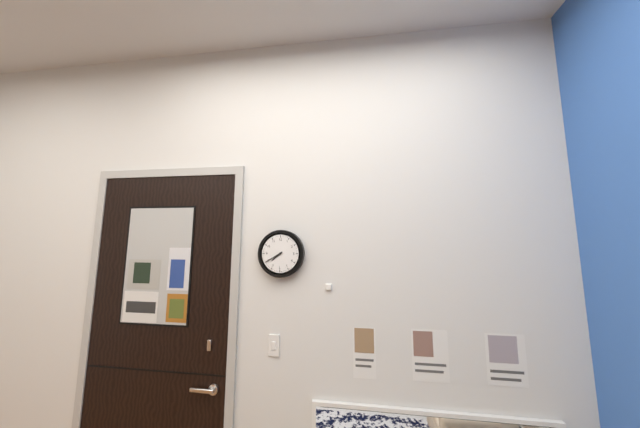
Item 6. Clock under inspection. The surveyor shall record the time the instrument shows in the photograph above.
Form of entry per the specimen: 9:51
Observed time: 7:40
